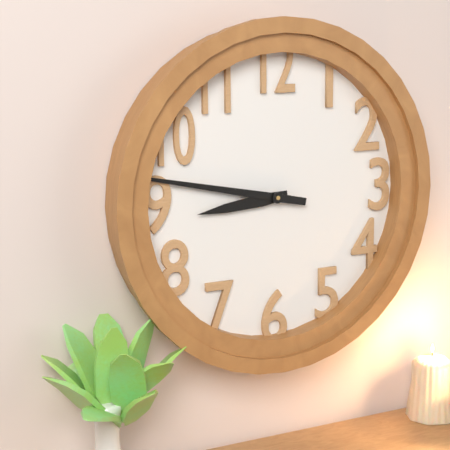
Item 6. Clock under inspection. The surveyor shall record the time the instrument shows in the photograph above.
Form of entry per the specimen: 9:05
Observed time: 8:47
